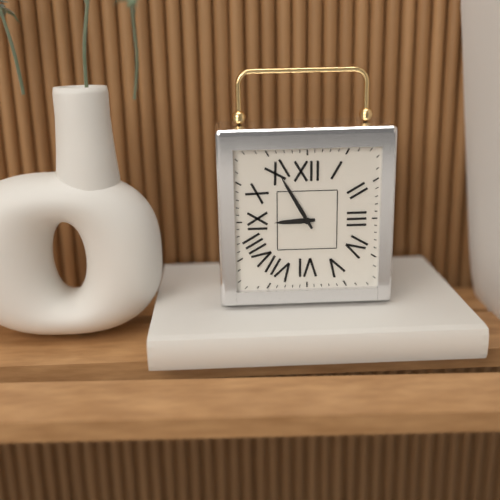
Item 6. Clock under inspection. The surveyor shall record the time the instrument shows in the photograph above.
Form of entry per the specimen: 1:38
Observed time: 8:55
